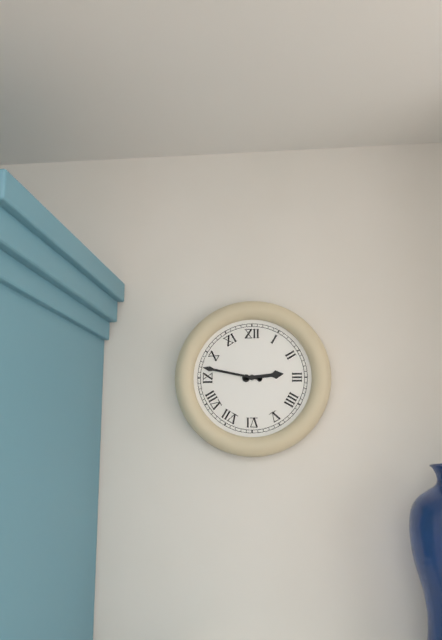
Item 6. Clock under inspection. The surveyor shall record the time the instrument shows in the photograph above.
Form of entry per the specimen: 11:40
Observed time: 2:47
